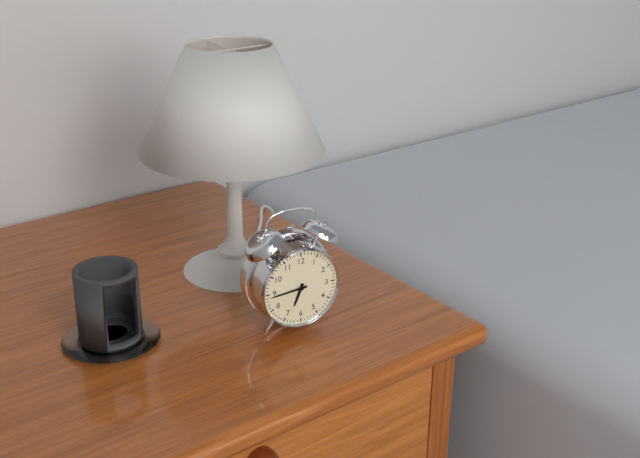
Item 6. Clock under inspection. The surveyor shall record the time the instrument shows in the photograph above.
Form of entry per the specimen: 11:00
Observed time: 6:44
